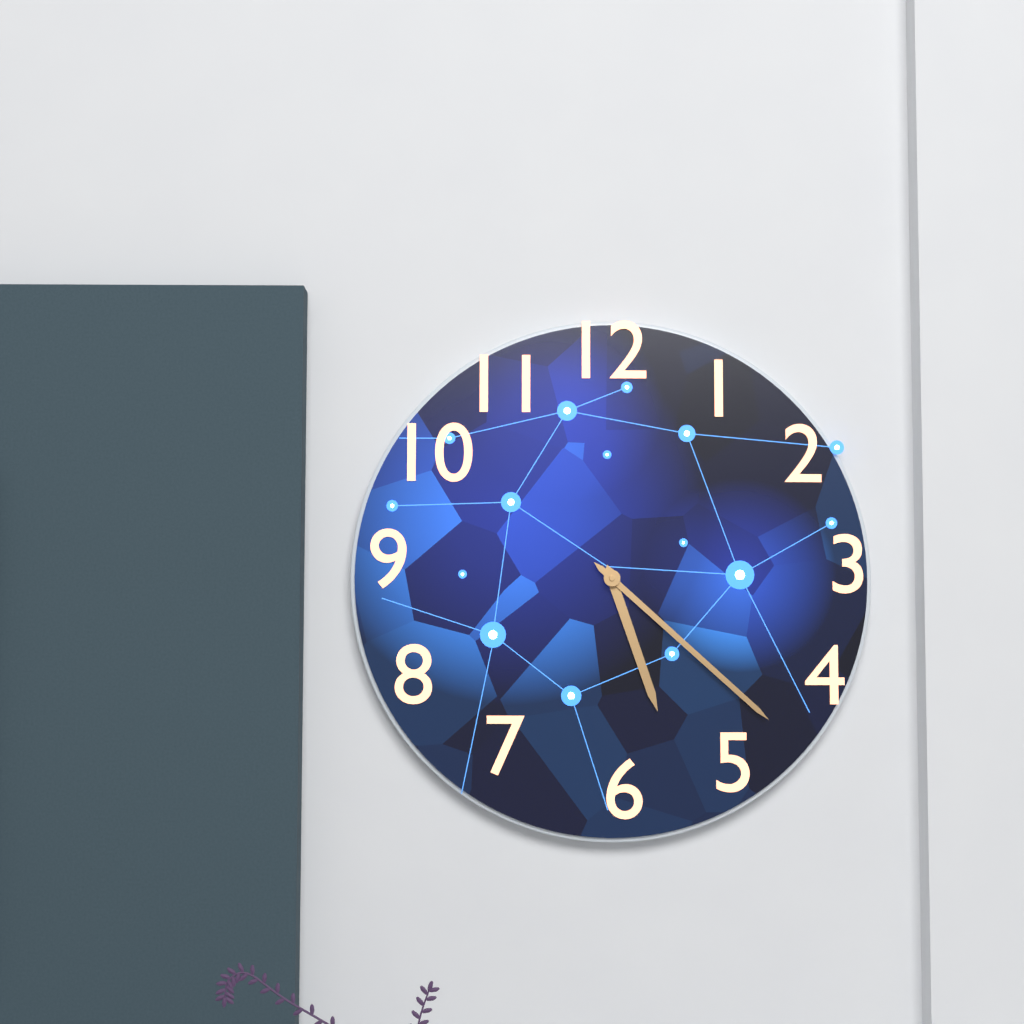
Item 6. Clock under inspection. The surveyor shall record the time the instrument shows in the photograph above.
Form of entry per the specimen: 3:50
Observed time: 5:22
